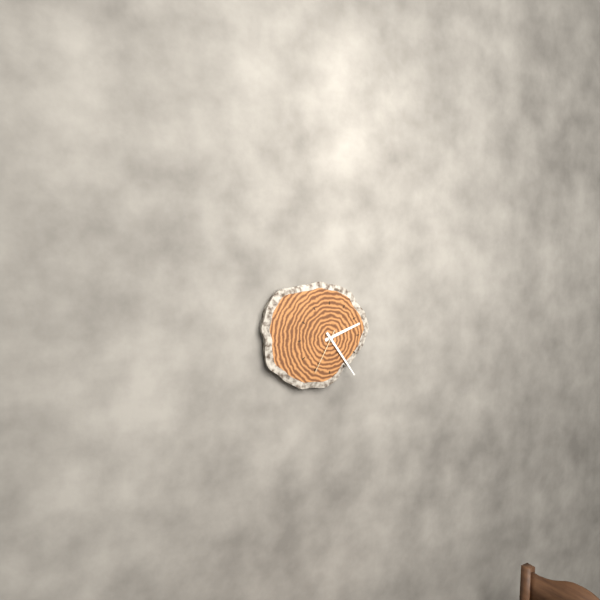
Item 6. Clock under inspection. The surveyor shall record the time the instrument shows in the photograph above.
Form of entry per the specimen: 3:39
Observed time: 2:24
